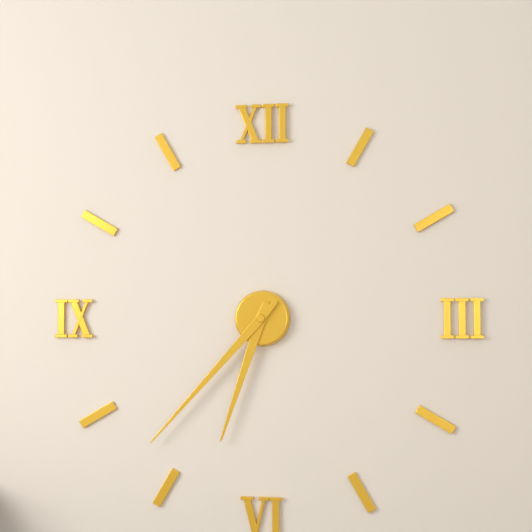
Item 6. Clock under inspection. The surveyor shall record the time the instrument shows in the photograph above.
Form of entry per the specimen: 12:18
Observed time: 6:37
